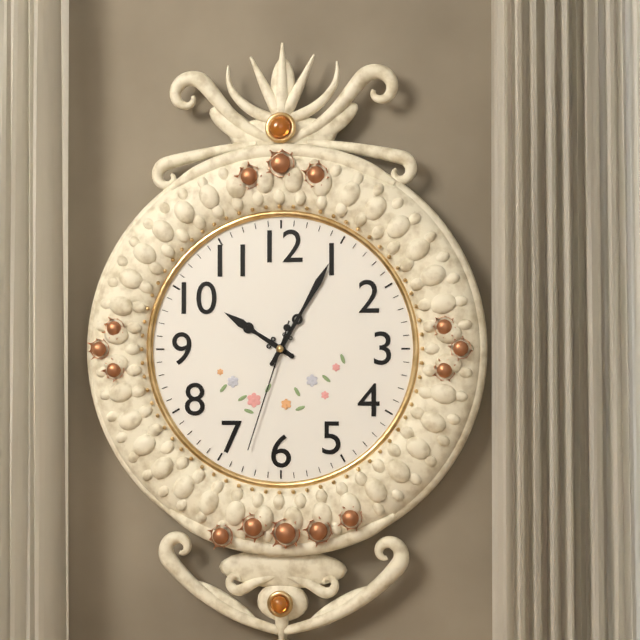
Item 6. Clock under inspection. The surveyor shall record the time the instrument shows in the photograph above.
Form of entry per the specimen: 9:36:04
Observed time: 10:05:33
